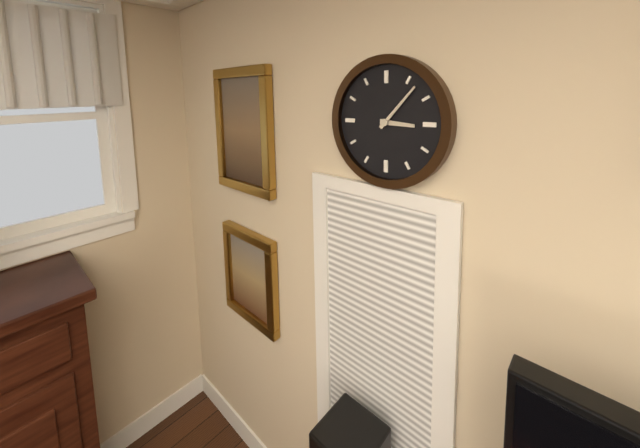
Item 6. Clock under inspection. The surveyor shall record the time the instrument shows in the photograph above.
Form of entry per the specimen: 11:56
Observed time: 3:07
